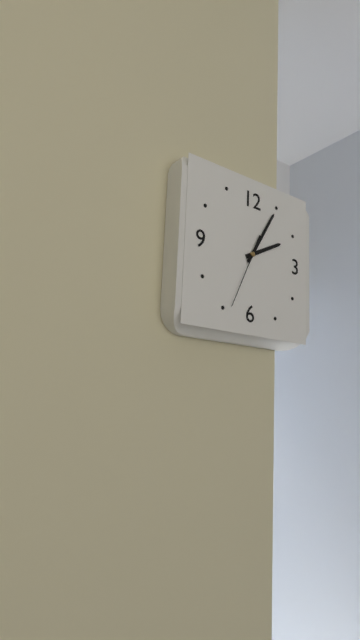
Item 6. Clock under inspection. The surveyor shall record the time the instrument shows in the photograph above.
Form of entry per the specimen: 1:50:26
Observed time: 2:05:34
